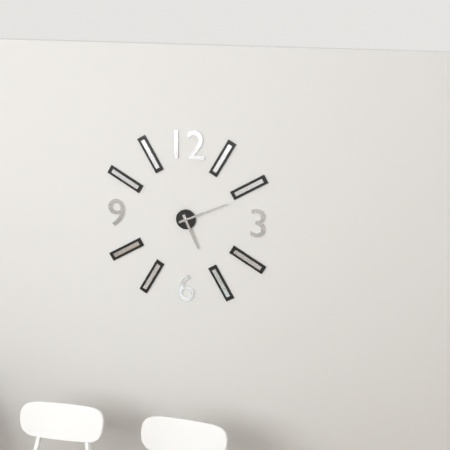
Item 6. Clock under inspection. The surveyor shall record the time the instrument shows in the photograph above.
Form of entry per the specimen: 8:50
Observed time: 5:11
